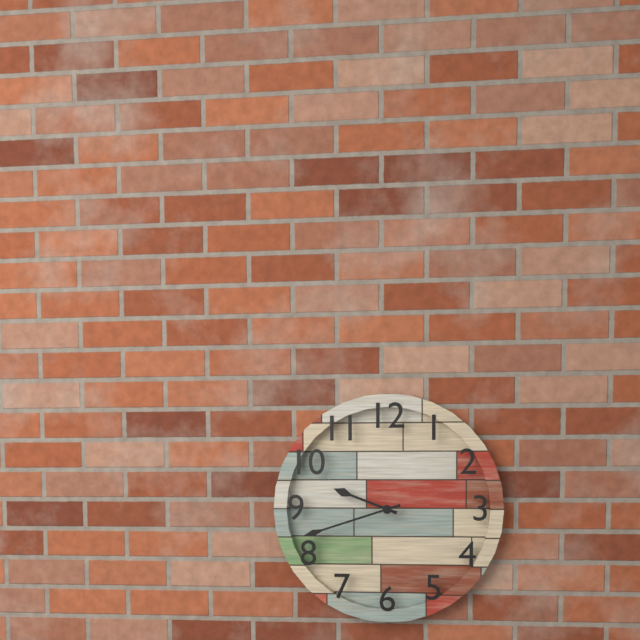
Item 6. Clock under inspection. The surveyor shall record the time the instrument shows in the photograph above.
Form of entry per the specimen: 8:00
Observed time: 9:42
